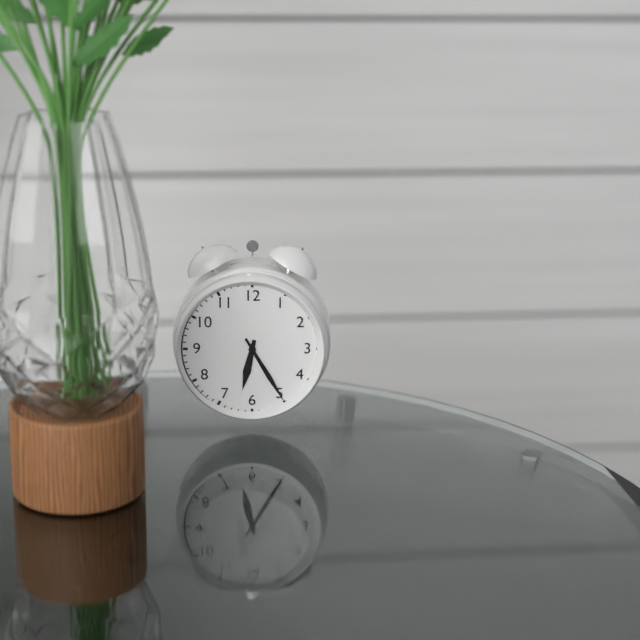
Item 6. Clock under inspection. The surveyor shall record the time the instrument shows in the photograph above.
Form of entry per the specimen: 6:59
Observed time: 6:25
